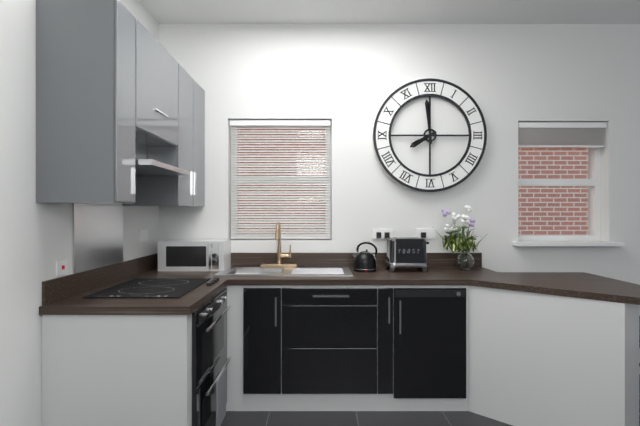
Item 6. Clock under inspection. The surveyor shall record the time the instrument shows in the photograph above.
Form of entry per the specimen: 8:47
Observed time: 7:59
